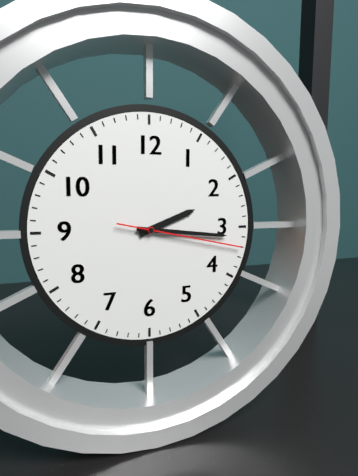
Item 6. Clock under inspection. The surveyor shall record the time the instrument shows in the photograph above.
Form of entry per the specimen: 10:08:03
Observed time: 2:16:17
